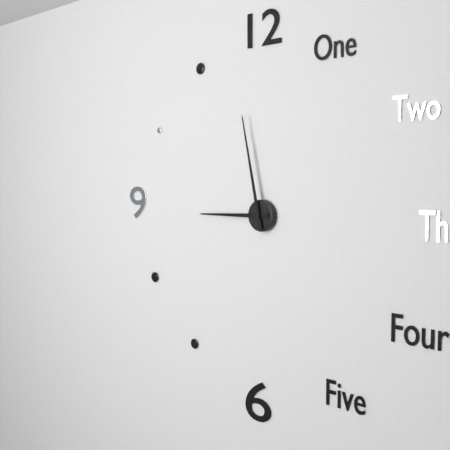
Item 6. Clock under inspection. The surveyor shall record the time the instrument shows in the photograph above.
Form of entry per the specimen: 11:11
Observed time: 8:58
